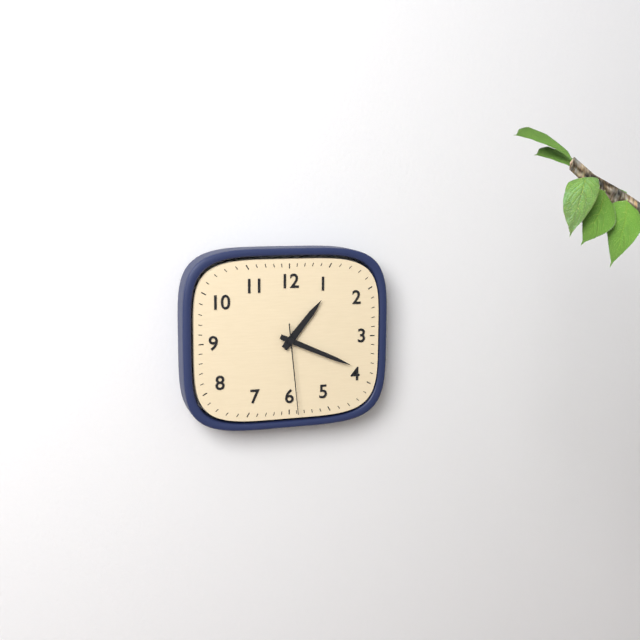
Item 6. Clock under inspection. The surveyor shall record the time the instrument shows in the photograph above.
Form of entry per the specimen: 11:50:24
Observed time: 1:19:29
